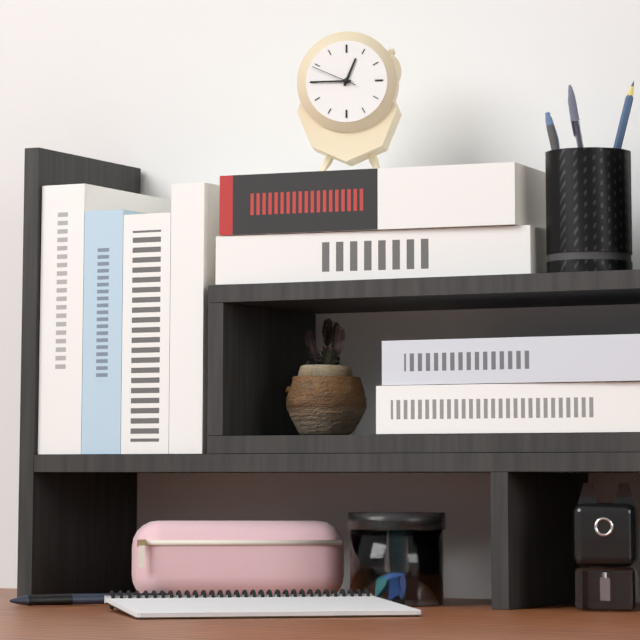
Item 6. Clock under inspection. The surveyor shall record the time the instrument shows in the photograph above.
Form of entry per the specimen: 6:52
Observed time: 12:45
